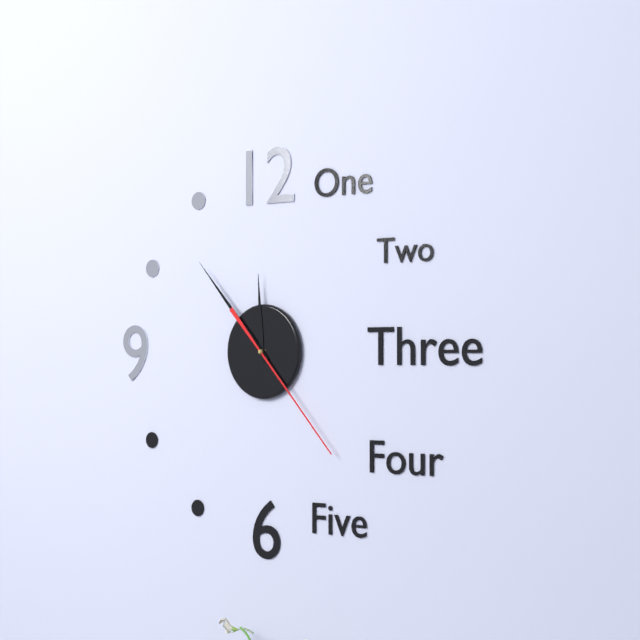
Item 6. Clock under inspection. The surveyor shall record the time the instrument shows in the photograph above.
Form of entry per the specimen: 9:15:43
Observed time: 11:53:23
